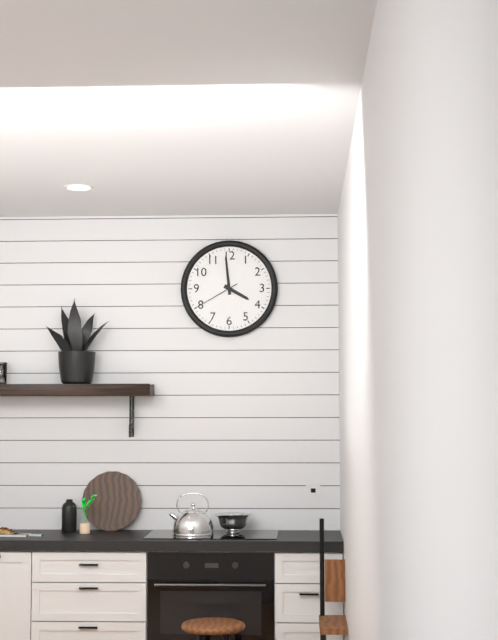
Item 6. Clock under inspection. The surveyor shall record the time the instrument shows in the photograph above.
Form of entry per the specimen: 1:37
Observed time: 3:59
